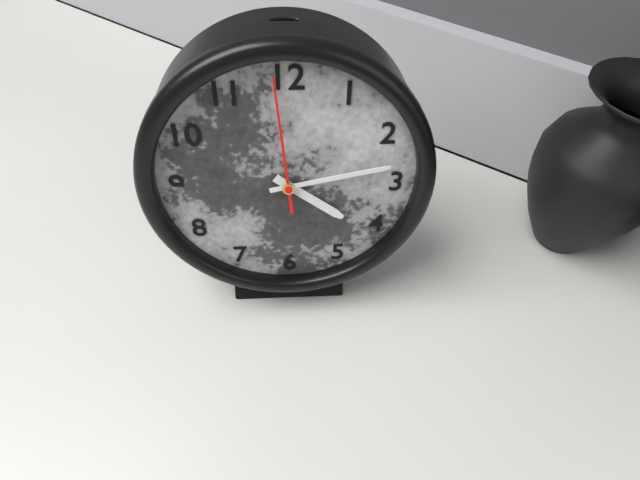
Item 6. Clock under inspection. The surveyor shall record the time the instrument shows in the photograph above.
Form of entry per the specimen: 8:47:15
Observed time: 4:13:59
